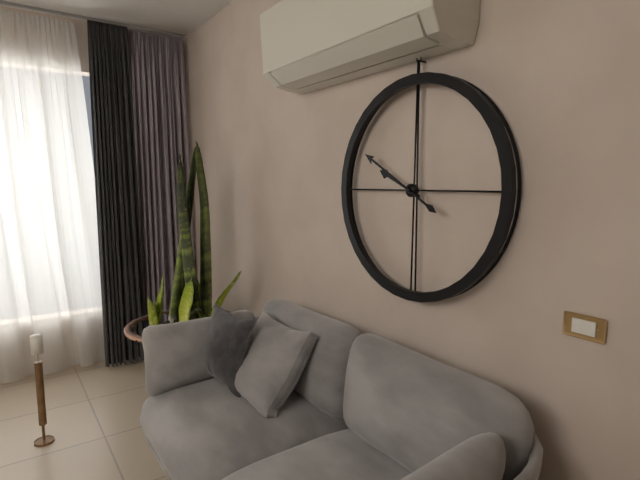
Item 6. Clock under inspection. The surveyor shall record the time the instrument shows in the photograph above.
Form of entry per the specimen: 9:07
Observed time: 9:50
